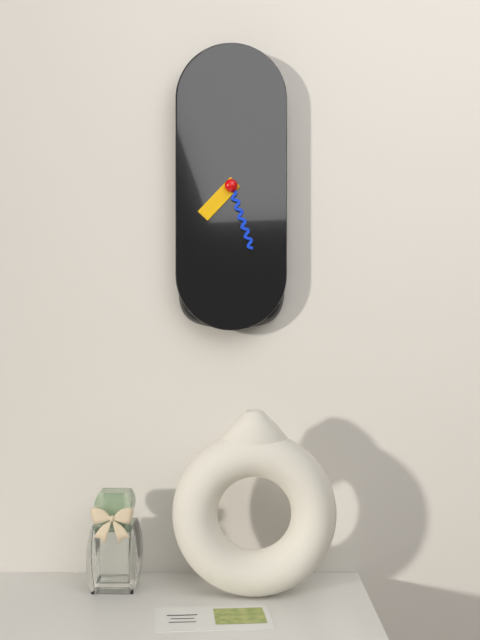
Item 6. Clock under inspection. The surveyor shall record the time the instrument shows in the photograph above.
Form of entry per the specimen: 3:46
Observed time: 7:27
